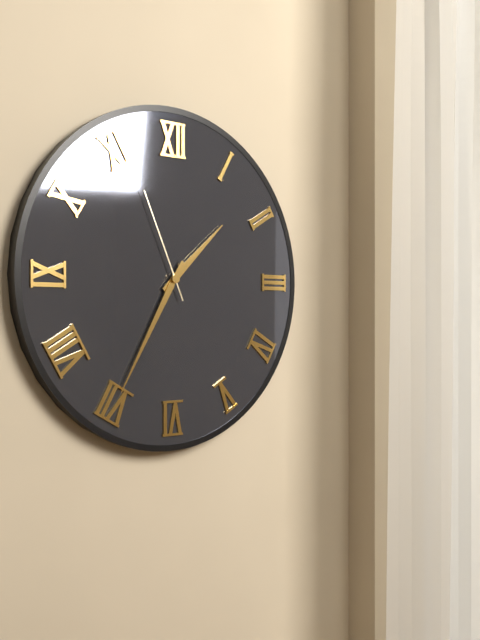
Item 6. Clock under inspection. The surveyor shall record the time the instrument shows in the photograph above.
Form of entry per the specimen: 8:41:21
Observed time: 1:35:56
